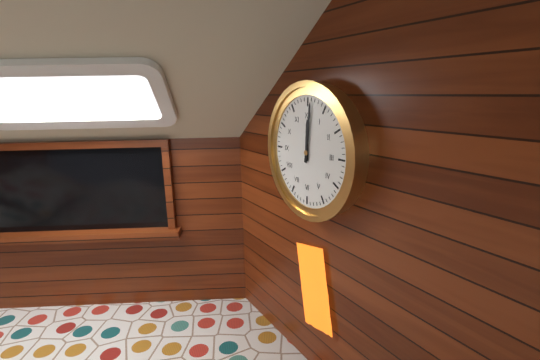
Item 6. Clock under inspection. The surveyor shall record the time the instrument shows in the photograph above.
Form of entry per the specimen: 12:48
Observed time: 12:01
